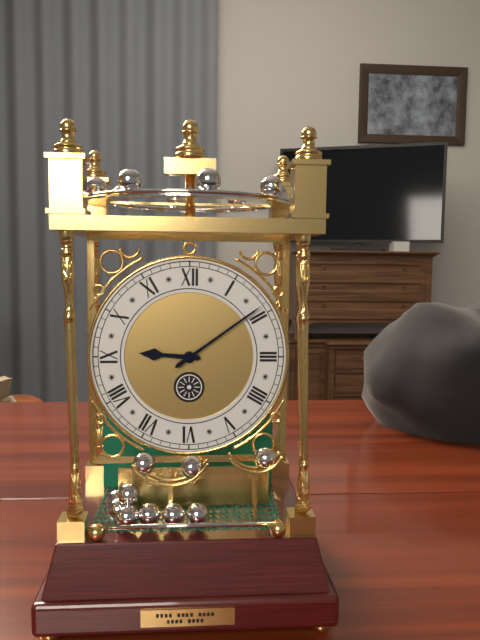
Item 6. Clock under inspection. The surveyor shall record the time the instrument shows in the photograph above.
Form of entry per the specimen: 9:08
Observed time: 9:09
